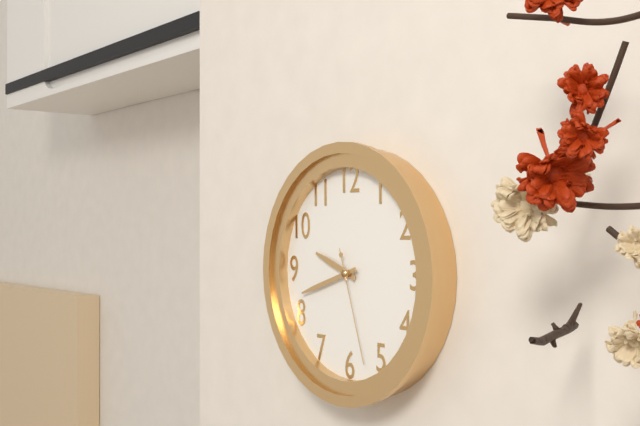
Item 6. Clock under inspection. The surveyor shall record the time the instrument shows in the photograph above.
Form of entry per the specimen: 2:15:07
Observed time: 9:42:27
